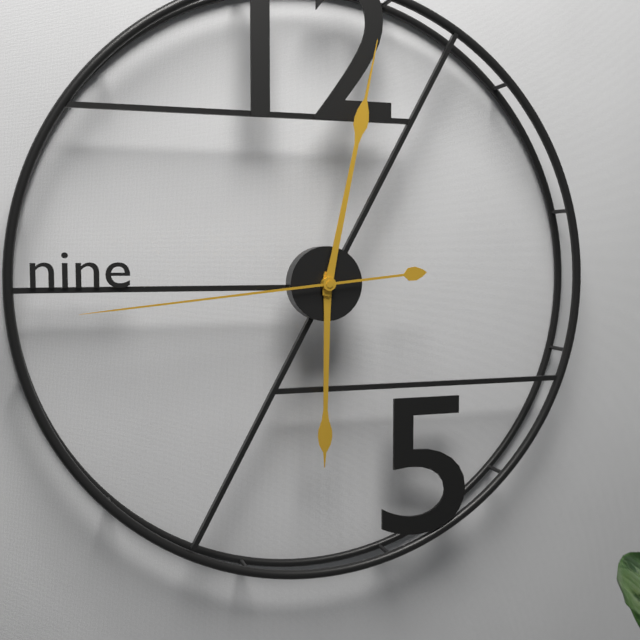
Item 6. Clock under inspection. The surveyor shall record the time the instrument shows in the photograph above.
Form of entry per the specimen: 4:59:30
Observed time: 6:02:44
